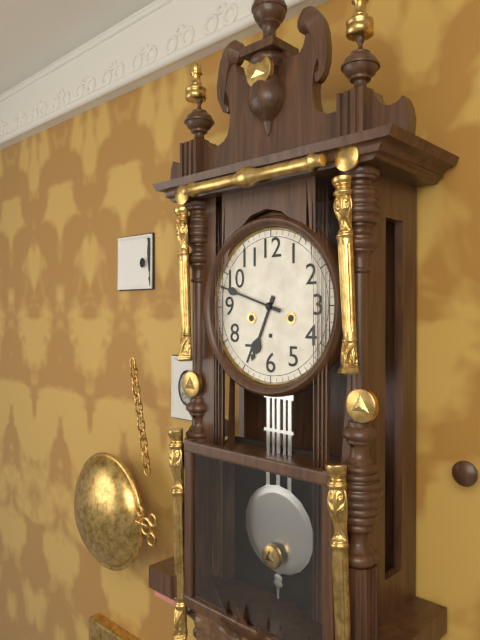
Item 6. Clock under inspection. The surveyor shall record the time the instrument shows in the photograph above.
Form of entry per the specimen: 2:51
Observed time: 6:48
